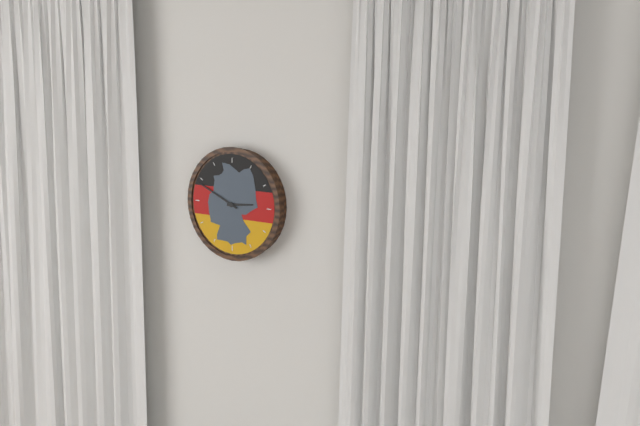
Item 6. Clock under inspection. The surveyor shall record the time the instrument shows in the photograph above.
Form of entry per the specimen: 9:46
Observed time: 2:49
